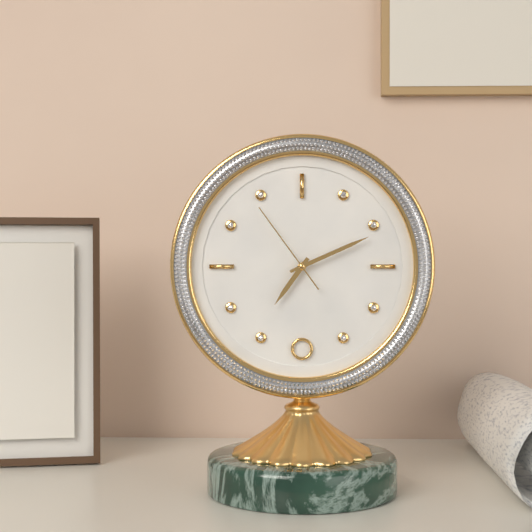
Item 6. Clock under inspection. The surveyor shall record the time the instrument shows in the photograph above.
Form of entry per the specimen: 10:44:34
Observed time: 7:11:54
